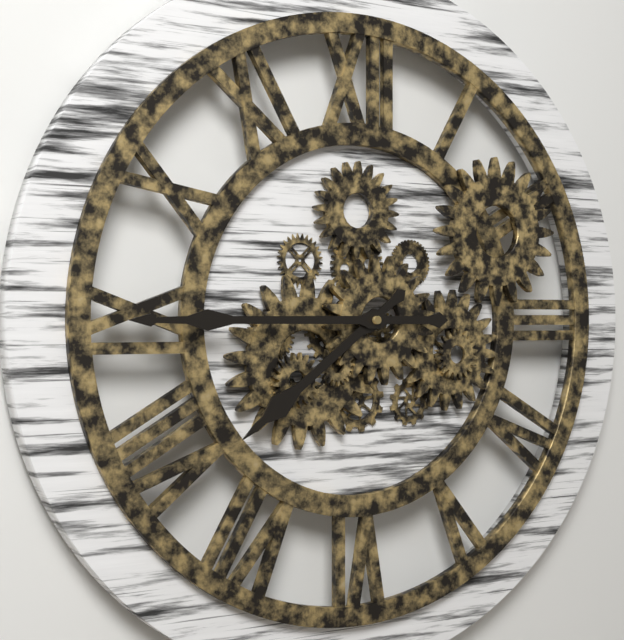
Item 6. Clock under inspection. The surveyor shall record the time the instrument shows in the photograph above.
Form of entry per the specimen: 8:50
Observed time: 7:45
